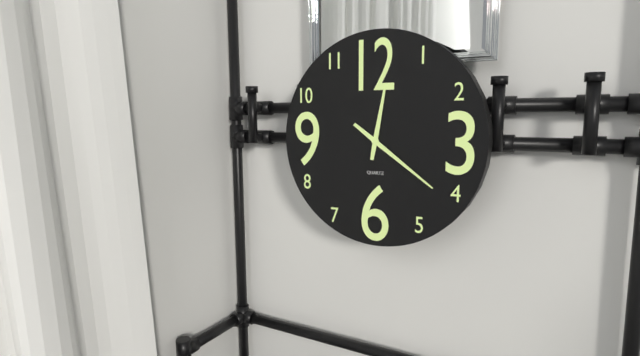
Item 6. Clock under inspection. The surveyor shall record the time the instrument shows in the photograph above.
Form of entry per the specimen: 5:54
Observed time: 12:21
